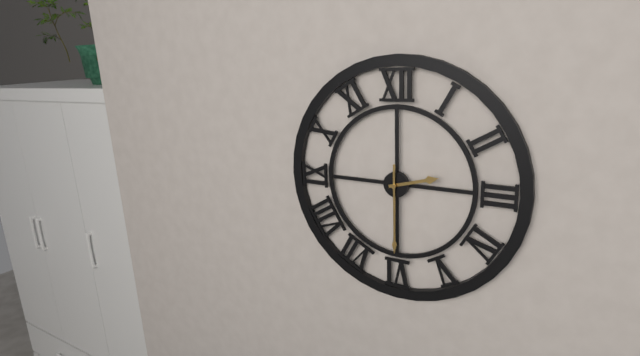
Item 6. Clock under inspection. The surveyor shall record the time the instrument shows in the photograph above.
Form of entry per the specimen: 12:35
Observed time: 2:30
